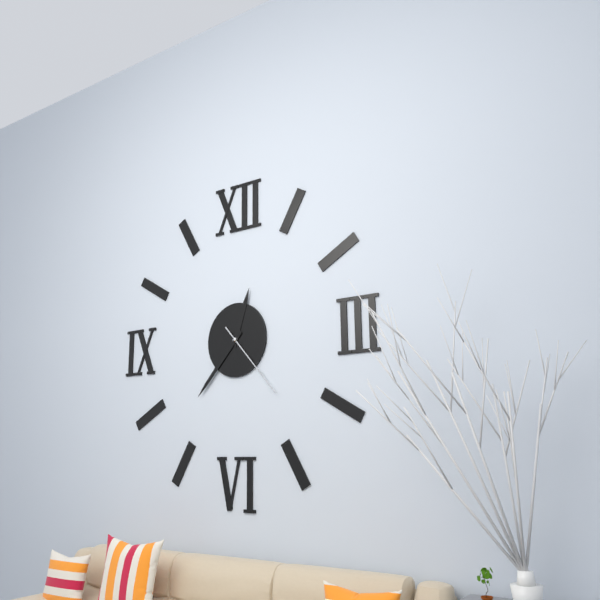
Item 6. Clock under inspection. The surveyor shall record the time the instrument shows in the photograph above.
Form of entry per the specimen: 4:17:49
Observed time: 12:37:23
